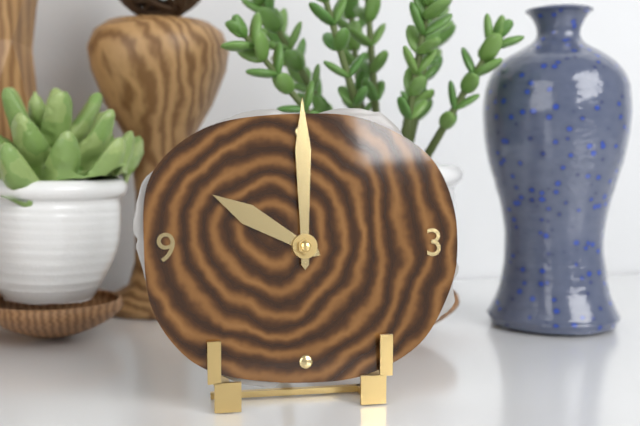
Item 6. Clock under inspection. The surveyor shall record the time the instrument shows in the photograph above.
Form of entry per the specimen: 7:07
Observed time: 10:00
